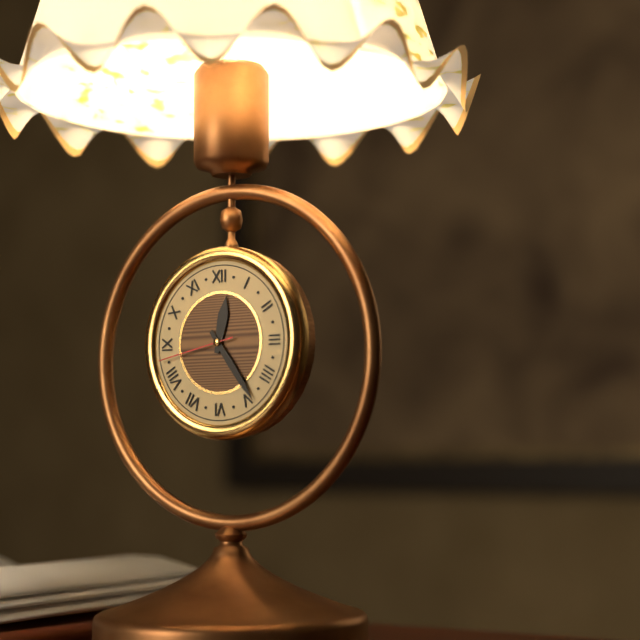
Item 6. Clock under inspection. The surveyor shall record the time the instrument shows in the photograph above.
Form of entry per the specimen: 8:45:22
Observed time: 12:24:43
